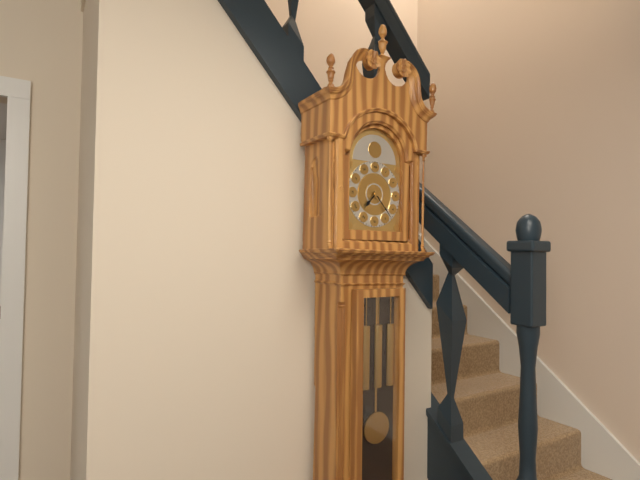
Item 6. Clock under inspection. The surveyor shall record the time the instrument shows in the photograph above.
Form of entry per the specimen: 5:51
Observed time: 7:23
